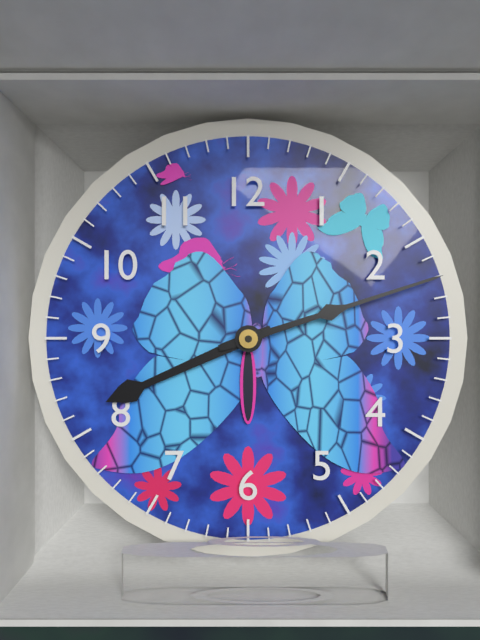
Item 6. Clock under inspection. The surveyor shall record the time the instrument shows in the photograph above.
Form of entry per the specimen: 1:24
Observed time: 8:12
